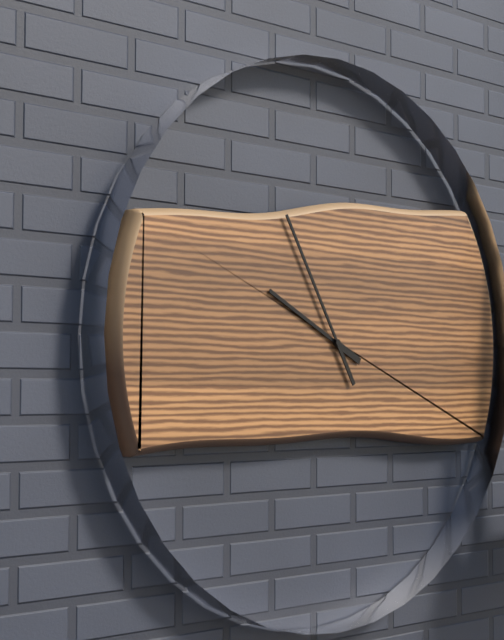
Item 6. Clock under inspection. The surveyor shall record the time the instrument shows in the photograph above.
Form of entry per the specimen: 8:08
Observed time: 9:55
